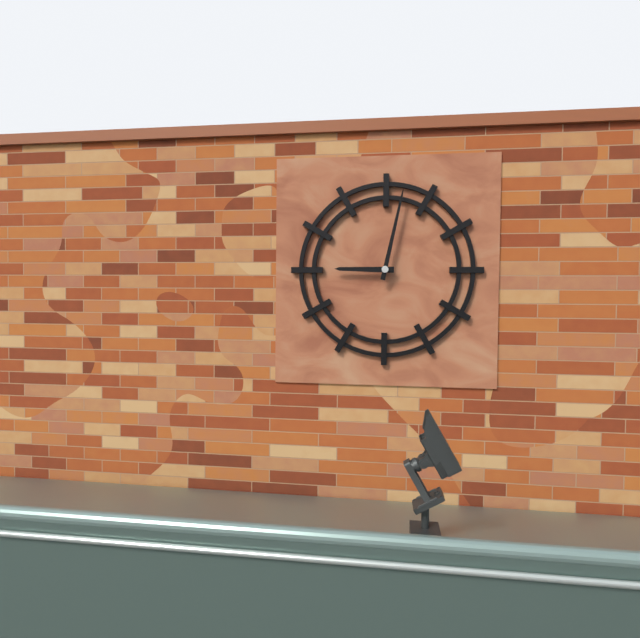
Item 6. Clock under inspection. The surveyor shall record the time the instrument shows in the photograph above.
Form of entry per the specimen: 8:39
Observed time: 9:02
